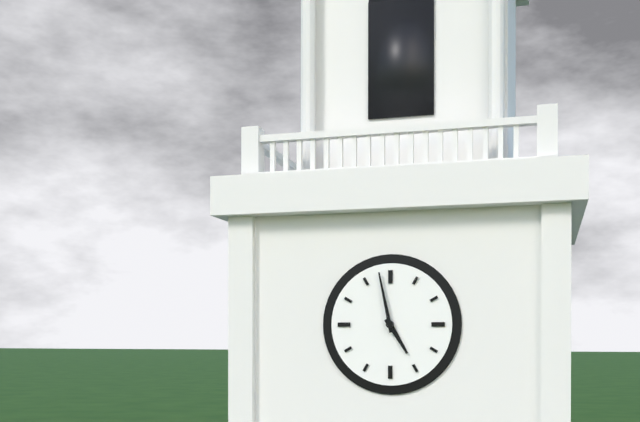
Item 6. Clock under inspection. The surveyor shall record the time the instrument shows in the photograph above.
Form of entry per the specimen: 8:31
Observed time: 4:58
